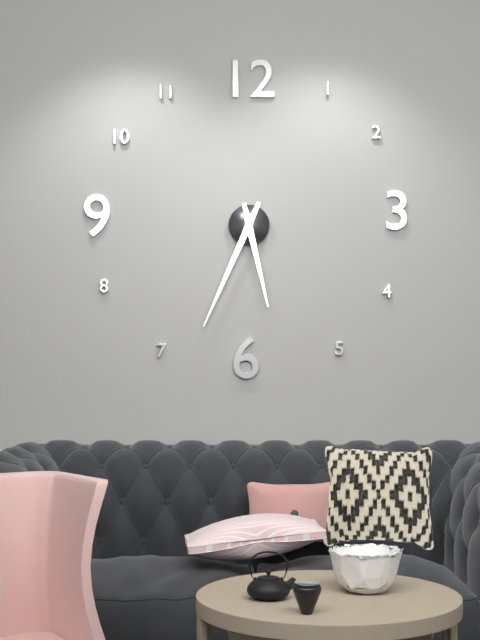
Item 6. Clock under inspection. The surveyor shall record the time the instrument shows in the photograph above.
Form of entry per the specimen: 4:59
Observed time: 5:34
